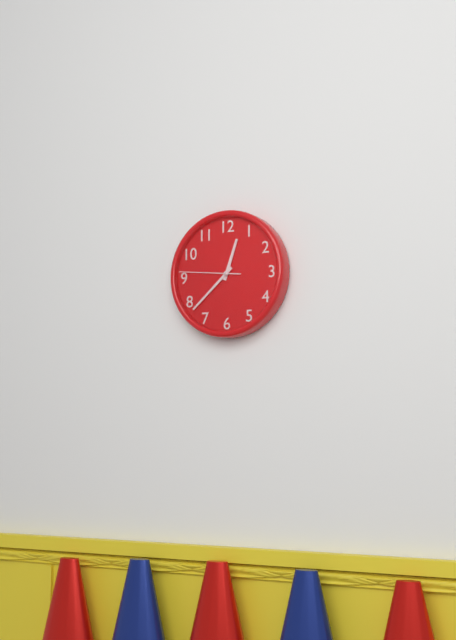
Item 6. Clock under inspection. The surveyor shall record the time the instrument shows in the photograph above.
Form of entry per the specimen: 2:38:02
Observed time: 12:38:46
